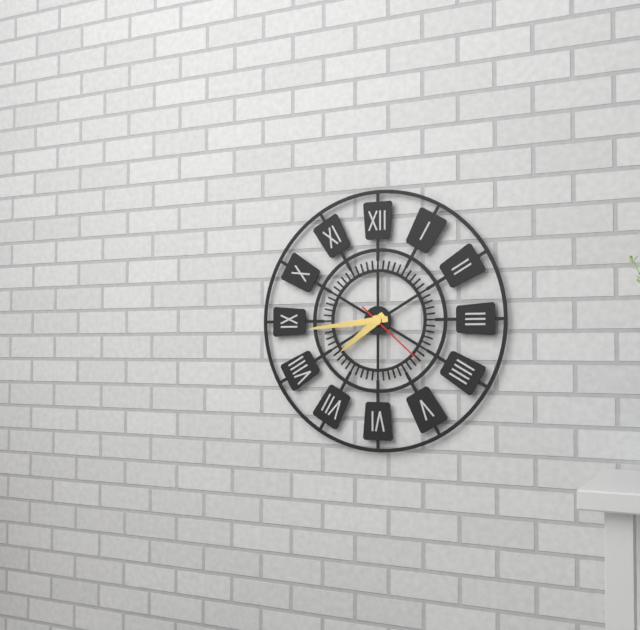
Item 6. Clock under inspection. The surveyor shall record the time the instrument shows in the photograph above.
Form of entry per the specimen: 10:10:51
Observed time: 7:44:22
